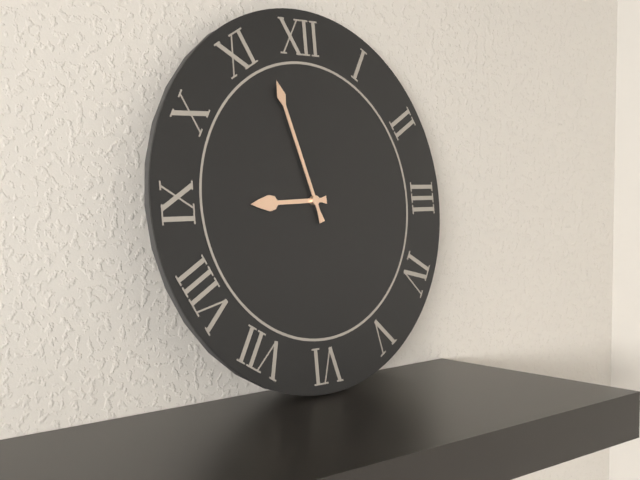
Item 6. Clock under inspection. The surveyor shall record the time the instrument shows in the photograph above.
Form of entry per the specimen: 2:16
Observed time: 8:57
